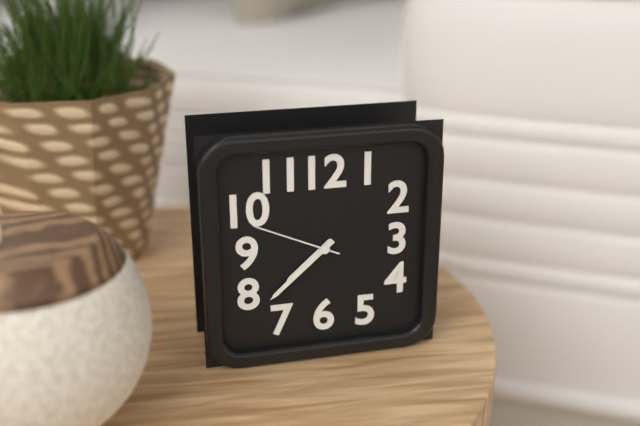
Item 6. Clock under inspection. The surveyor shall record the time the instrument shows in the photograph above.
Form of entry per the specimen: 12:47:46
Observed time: 7:38:49
